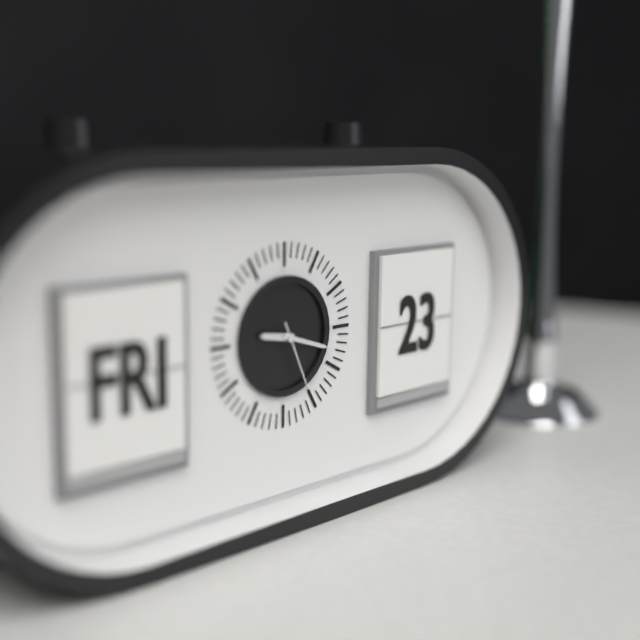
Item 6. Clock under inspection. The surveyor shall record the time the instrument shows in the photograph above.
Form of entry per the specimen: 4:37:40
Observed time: 9:18:26
